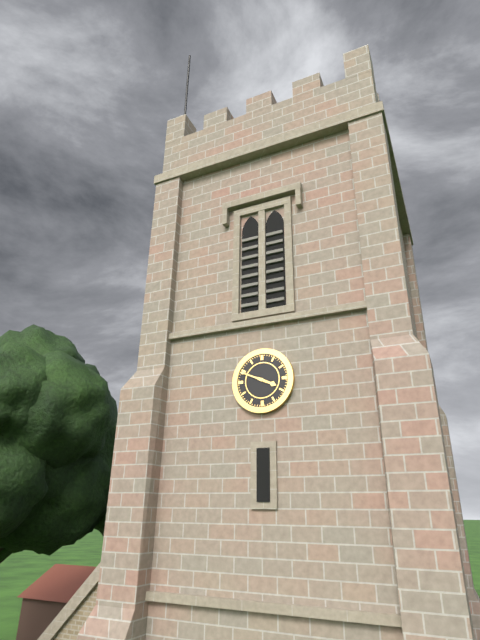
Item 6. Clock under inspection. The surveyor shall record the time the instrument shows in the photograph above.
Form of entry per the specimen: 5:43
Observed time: 3:49
